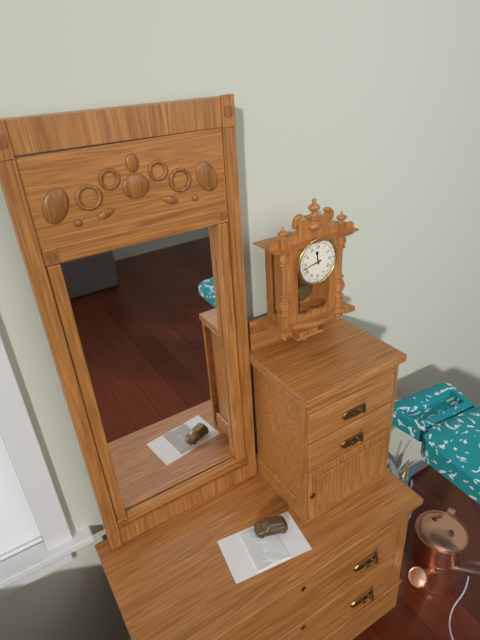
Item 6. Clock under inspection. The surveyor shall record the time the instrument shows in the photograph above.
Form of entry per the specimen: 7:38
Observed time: 11:43
